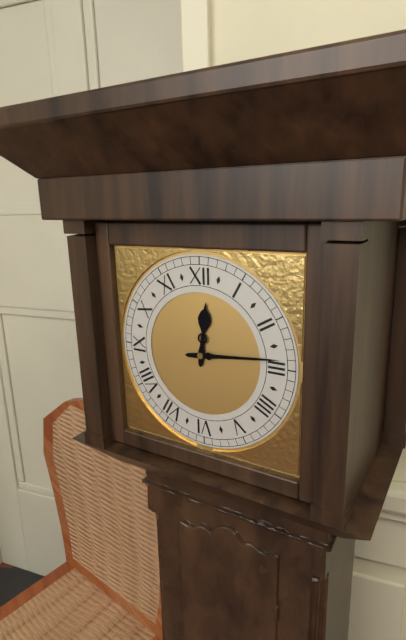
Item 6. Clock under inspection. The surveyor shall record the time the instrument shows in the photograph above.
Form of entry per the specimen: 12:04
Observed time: 12:14
